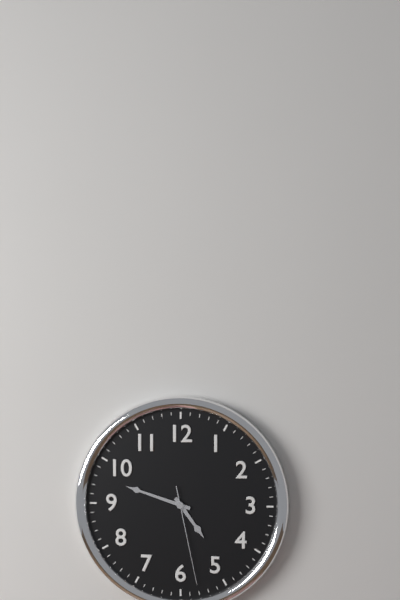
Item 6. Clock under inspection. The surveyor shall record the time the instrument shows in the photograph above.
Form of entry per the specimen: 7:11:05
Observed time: 4:48:28
